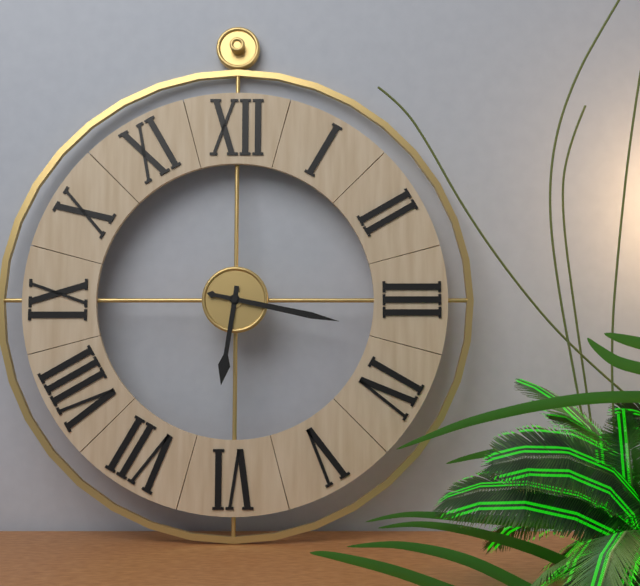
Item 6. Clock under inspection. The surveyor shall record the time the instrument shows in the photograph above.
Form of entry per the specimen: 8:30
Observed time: 6:17
